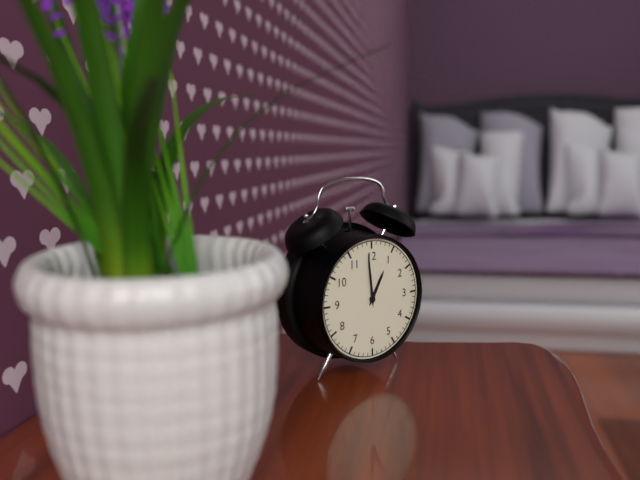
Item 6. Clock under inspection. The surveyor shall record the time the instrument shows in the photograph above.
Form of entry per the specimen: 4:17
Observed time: 12:59
